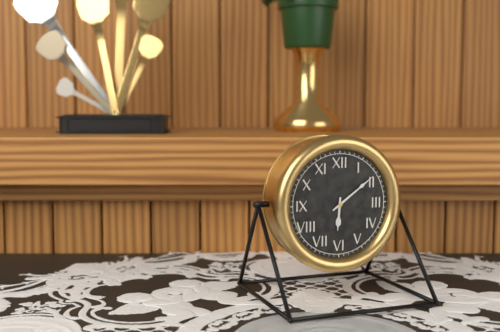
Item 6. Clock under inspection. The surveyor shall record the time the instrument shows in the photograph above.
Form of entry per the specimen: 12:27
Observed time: 6:09
